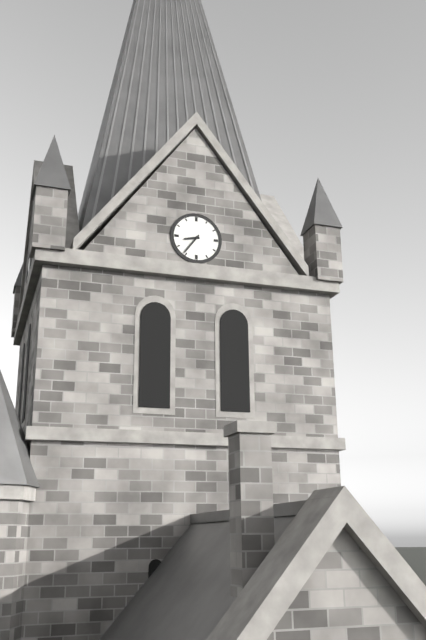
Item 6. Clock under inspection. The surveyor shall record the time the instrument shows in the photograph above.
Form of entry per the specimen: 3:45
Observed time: 8:36
